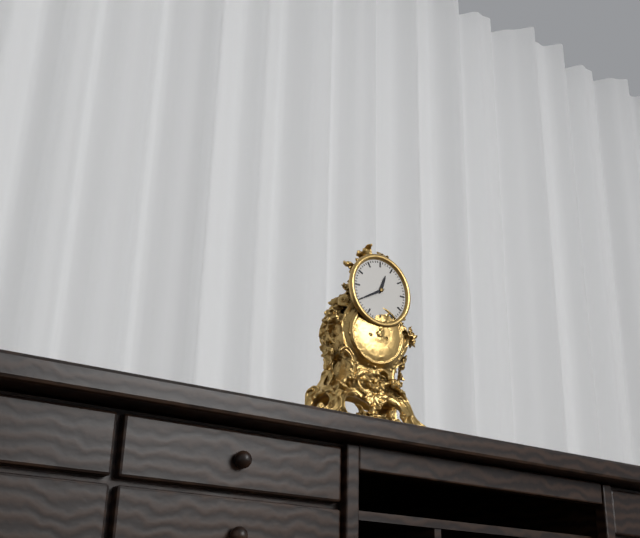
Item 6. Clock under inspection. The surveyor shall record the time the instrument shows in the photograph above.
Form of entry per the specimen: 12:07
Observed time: 12:40
